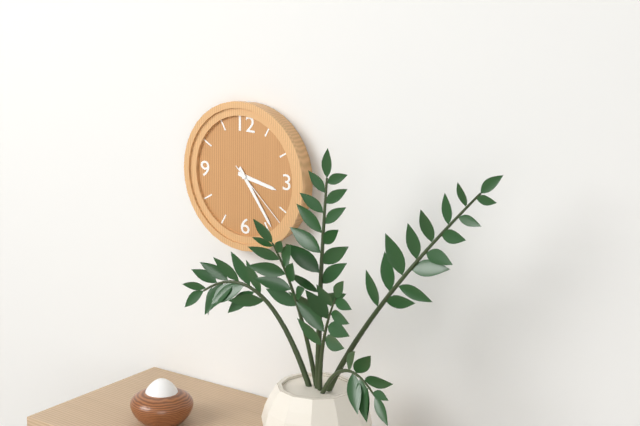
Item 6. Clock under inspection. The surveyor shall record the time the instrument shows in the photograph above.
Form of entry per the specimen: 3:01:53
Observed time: 3:24:22
